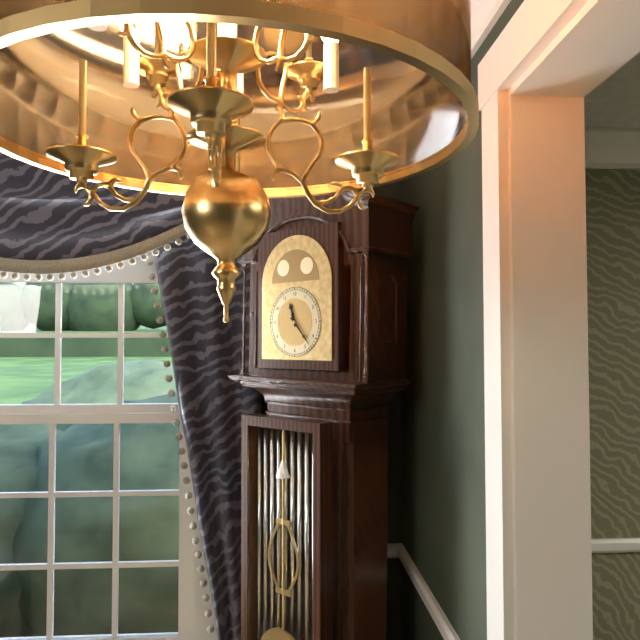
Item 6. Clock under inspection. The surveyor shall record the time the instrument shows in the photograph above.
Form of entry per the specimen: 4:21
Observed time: 11:23
